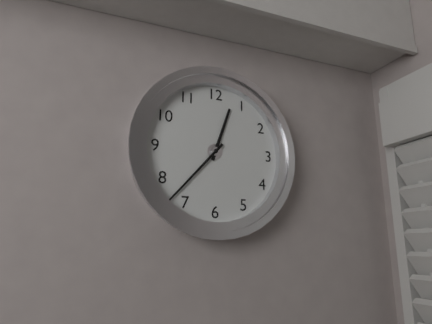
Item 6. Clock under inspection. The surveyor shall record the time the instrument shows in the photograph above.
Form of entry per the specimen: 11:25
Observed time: 12:37
